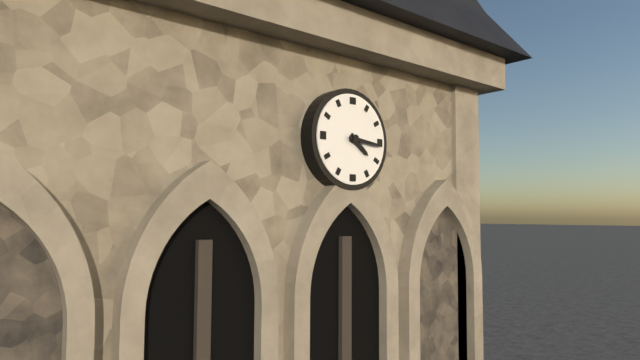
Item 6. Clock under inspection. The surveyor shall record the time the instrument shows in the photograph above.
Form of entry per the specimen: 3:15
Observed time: 4:16
